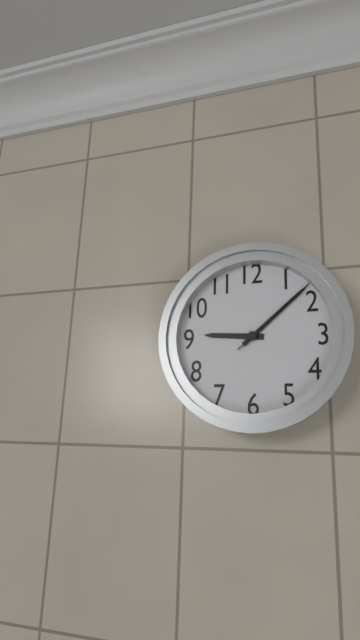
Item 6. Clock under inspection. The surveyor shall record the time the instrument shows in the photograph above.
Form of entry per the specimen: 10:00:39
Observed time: 9:08:08
